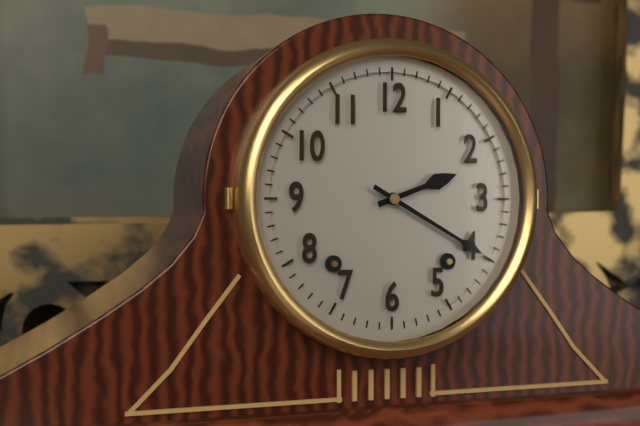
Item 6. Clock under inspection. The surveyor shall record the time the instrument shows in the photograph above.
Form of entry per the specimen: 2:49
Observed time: 2:20
